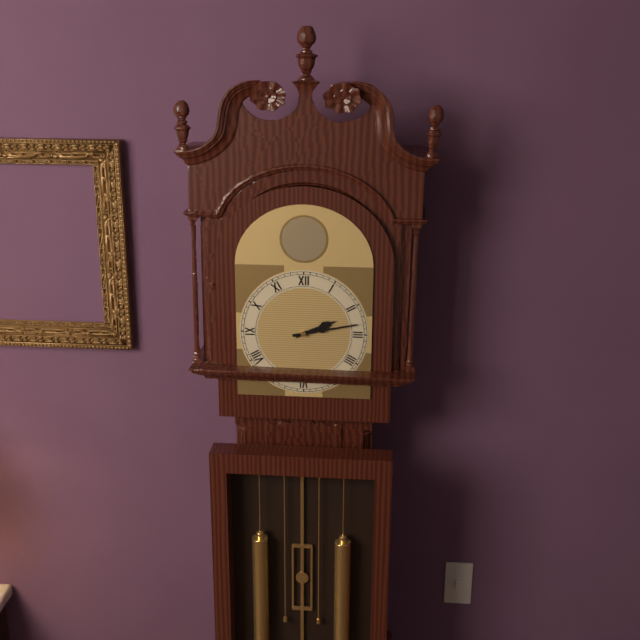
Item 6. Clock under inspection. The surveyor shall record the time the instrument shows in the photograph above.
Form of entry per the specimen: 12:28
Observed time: 2:13
